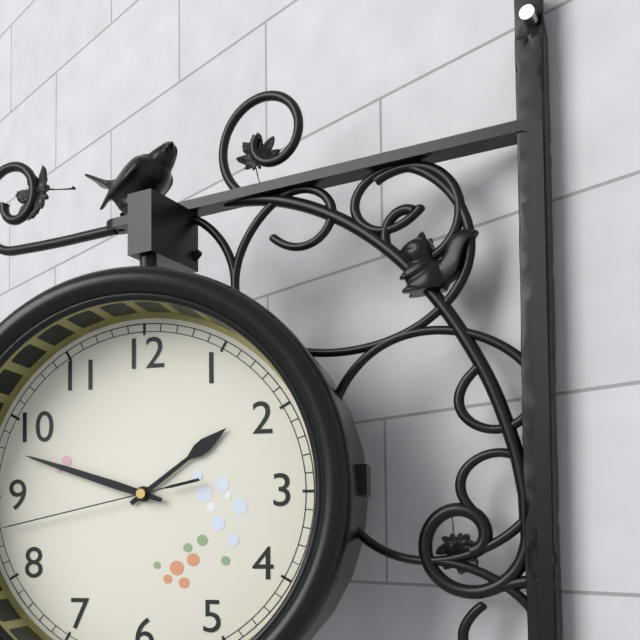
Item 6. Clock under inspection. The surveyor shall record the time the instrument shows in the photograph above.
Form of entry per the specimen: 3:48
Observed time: 1:48
